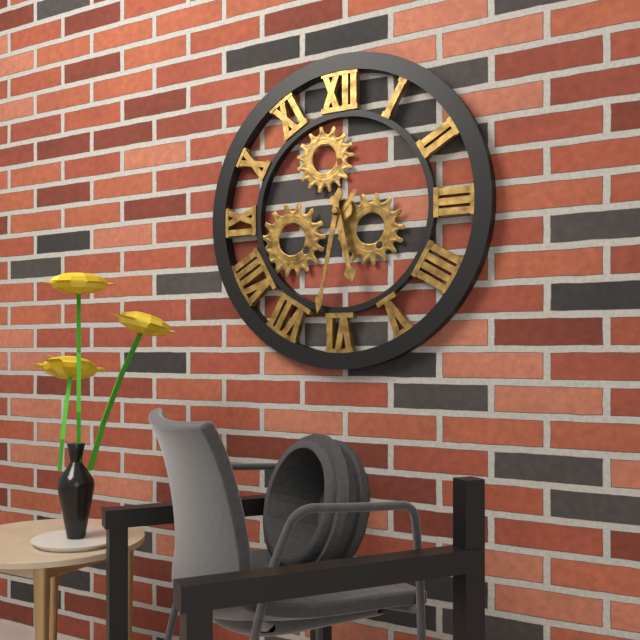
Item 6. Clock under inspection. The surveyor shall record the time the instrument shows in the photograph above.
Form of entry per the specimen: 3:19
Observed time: 5:32
